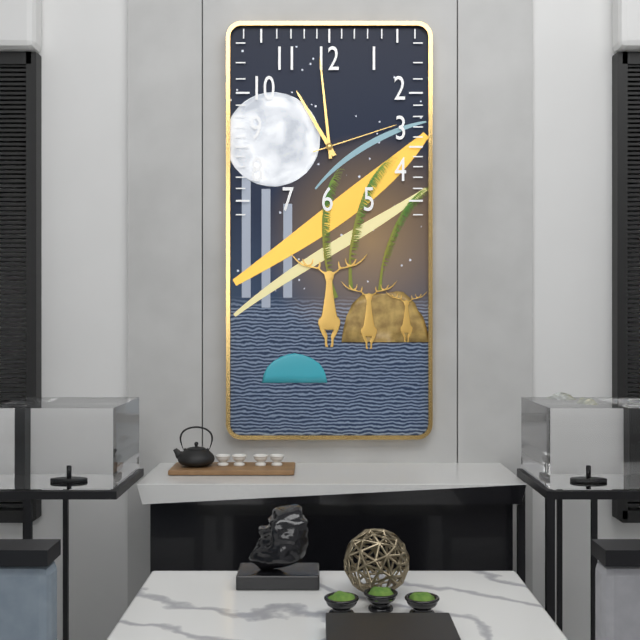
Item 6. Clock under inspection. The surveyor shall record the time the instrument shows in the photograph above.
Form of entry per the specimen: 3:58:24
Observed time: 10:59:12
